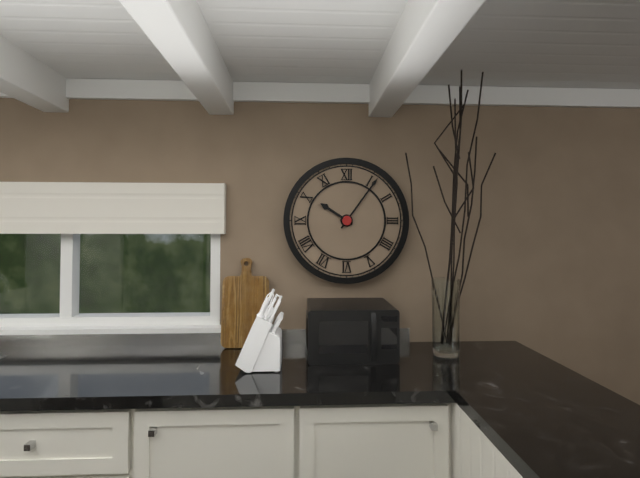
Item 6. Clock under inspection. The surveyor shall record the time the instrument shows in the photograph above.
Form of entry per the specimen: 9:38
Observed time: 10:06
